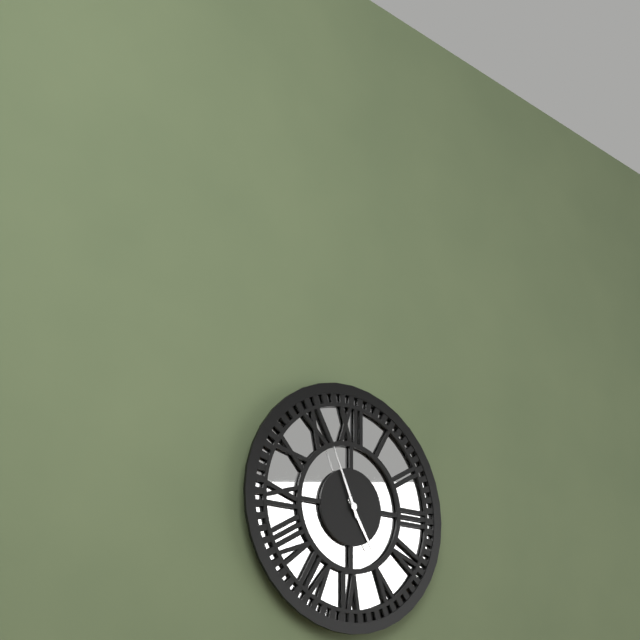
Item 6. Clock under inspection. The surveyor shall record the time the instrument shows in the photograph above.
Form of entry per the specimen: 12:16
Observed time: 4:56
